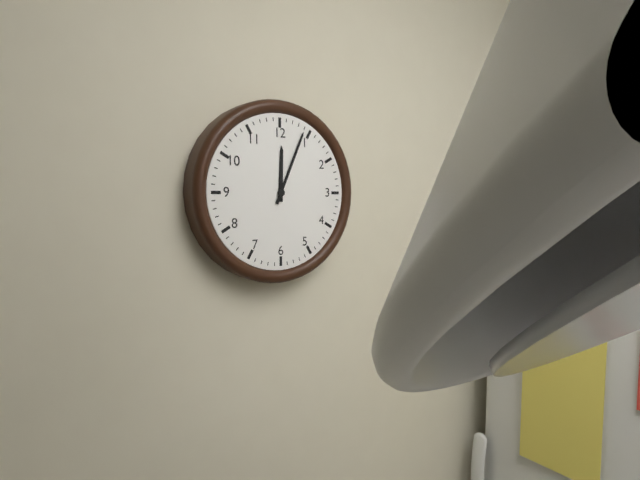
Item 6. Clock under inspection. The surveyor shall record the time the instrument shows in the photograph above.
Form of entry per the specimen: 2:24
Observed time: 12:04
